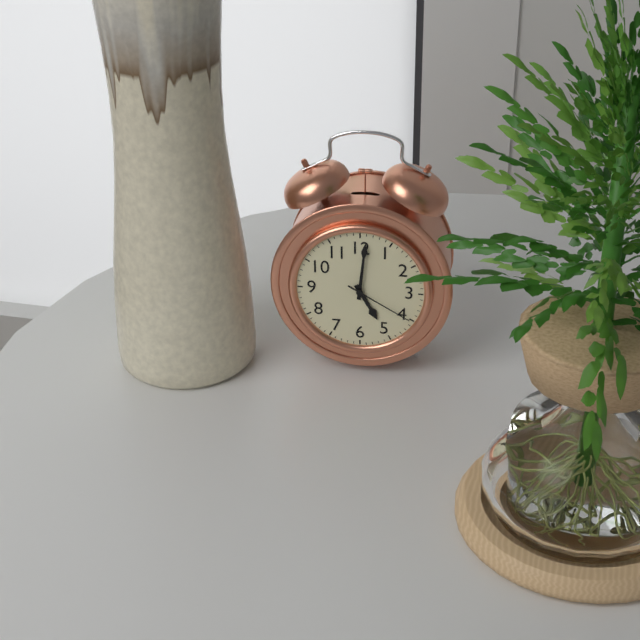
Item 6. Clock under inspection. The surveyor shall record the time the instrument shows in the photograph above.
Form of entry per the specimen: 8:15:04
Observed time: 5:01:20
